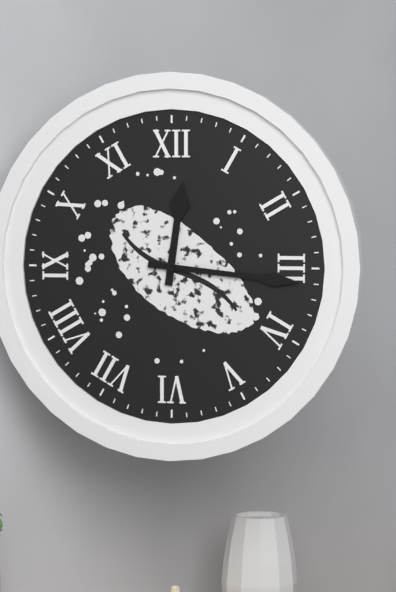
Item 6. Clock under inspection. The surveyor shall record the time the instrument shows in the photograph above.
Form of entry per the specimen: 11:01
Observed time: 12:16
